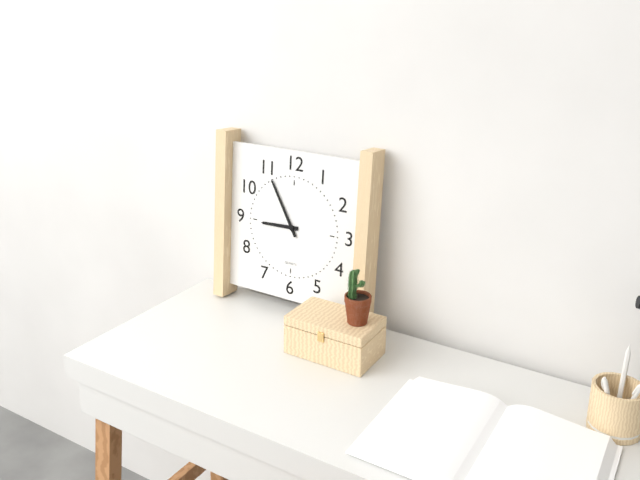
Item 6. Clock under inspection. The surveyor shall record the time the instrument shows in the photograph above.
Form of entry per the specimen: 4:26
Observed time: 8:55
